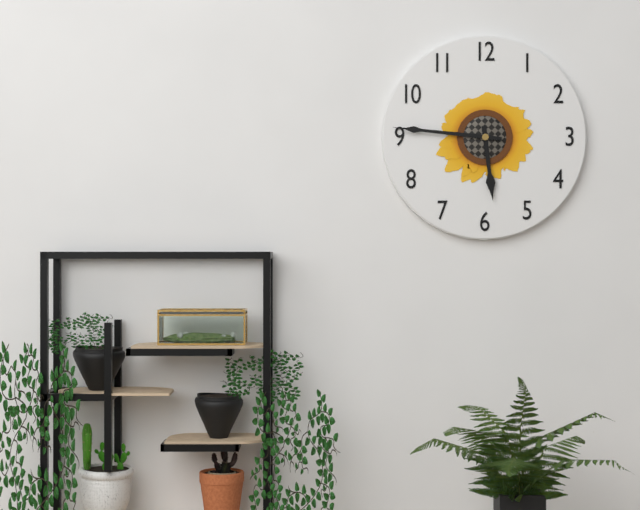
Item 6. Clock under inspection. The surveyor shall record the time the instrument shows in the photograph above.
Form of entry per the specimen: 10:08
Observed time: 5:46
